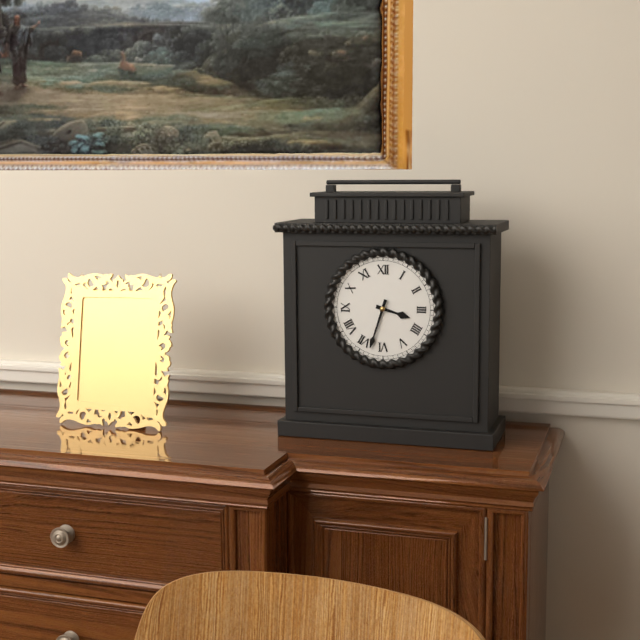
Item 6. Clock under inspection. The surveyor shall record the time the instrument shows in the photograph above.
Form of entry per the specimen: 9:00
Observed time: 3:33
